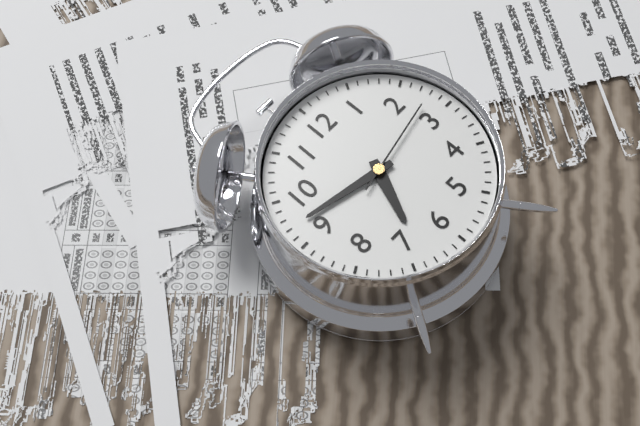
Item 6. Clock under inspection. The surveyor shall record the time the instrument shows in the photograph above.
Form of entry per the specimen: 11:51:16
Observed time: 6:47:13
